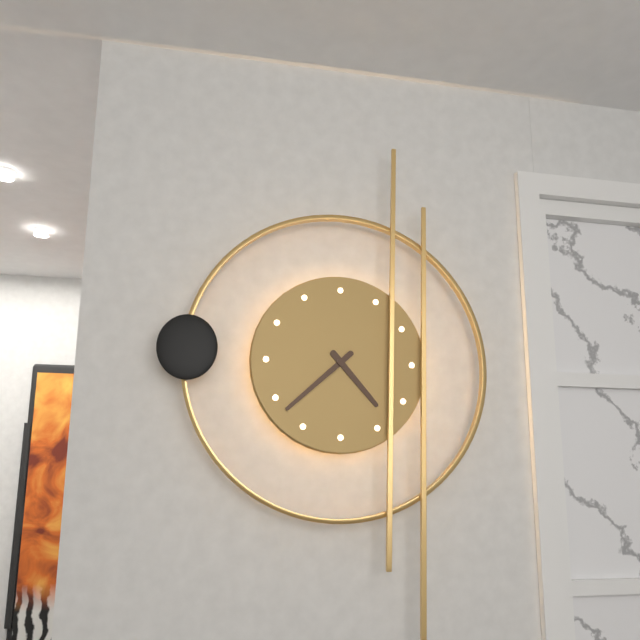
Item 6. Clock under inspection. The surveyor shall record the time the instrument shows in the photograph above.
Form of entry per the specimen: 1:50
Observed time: 4:38
